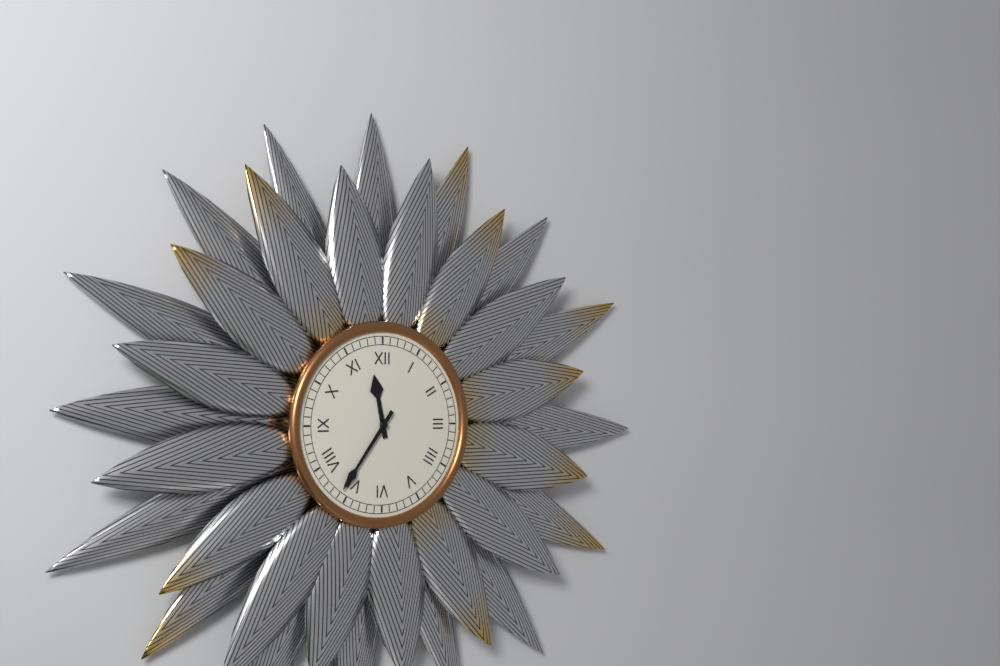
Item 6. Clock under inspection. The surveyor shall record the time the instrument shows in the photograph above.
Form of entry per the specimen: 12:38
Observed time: 11:36
